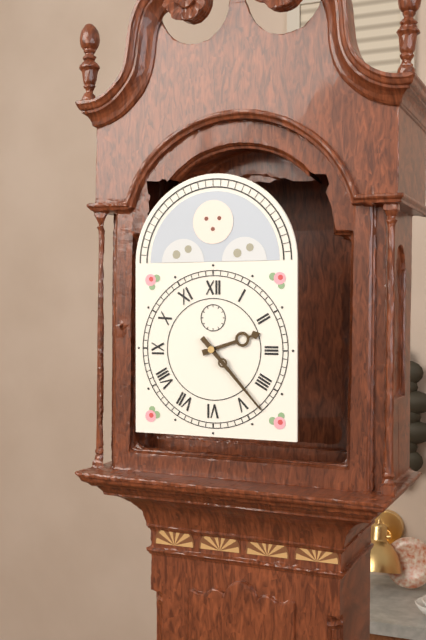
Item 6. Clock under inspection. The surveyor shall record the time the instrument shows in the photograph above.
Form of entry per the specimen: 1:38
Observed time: 2:23
